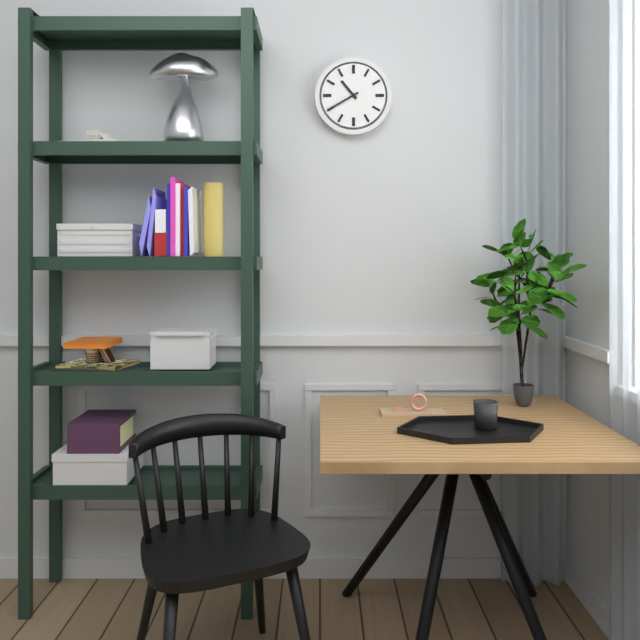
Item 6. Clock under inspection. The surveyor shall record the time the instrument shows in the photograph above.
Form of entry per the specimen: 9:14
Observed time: 10:40
